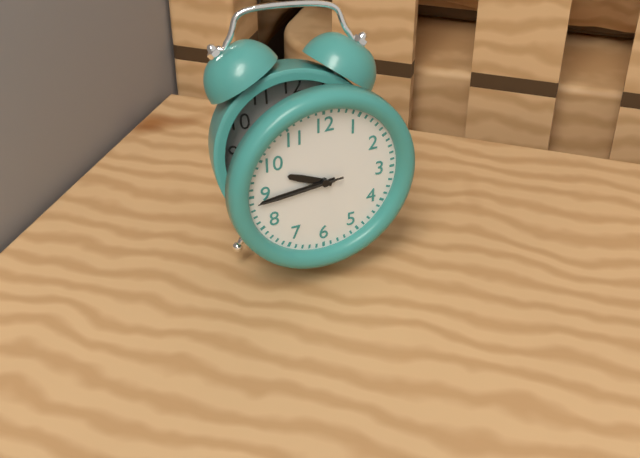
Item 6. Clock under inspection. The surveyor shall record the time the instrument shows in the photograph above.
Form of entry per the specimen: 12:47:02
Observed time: 9:44:44
